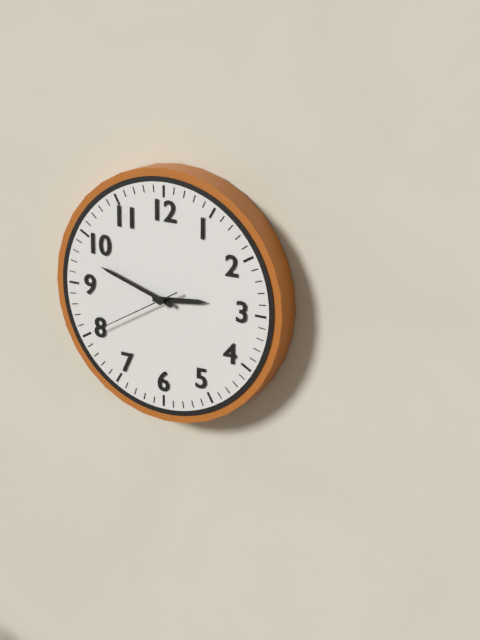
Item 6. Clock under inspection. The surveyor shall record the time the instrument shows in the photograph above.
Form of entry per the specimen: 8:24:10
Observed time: 2:48:40
